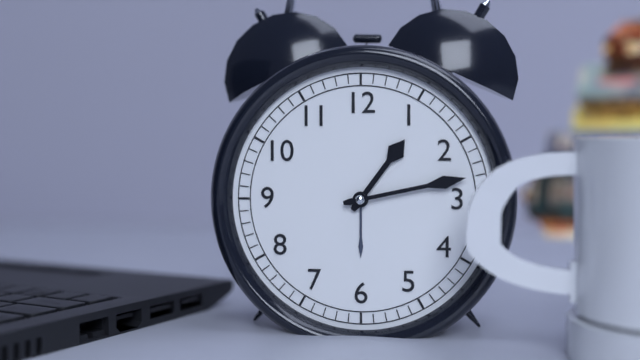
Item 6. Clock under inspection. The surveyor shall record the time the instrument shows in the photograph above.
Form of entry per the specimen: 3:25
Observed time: 1:13
